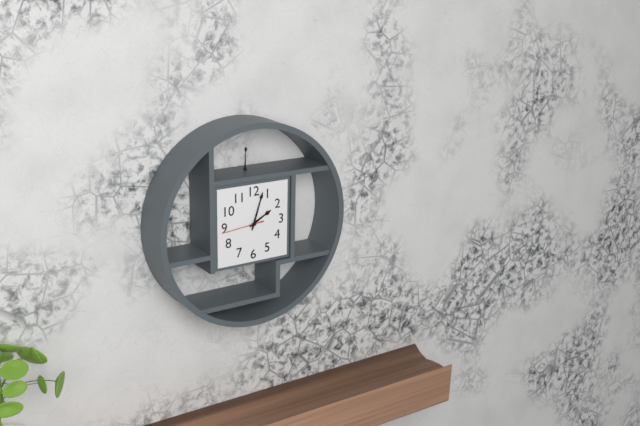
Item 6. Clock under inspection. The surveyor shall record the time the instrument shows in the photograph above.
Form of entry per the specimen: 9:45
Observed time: 2:03
